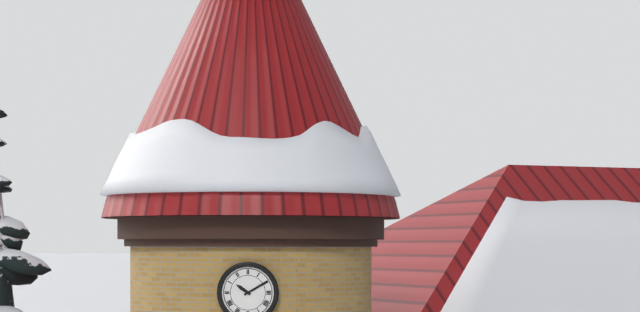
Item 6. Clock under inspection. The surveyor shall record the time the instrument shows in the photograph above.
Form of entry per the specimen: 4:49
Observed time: 10:10
